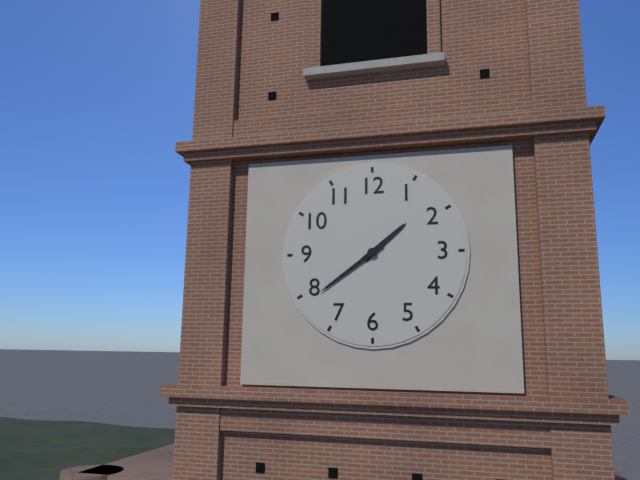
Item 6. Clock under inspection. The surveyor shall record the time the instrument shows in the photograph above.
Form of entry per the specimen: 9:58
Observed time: 1:39
